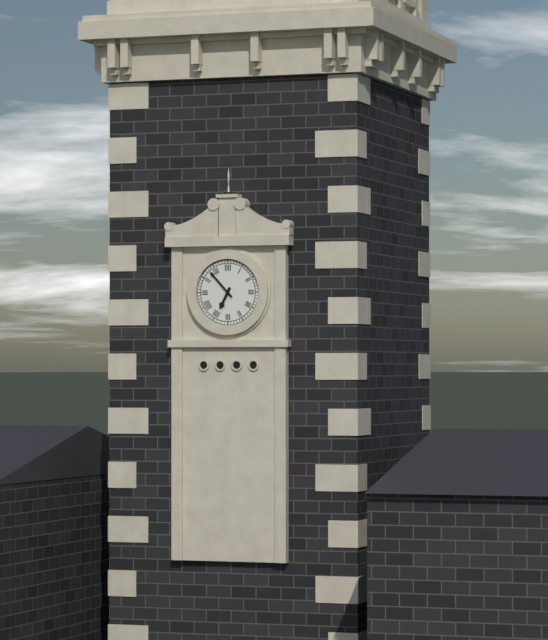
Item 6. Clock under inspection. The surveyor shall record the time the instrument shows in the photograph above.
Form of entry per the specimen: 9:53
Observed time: 6:53
